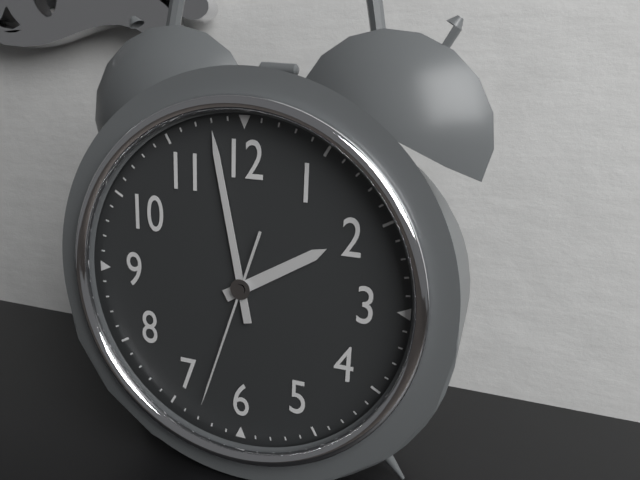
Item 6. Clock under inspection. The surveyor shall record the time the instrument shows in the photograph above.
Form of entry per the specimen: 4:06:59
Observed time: 1:58:33
